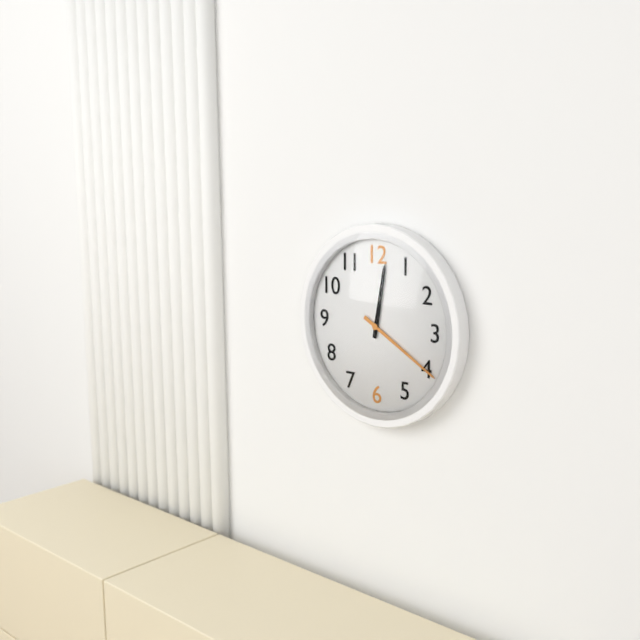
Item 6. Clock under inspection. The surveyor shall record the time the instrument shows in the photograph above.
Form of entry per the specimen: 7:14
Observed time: 12:20
